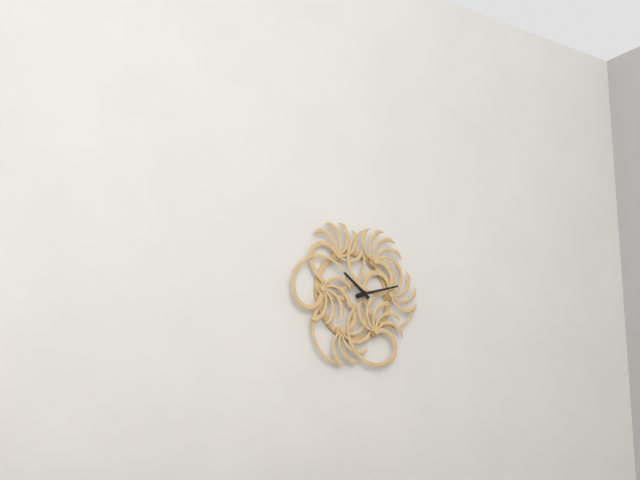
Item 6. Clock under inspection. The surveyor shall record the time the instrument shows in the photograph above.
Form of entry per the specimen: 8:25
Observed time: 10:12
